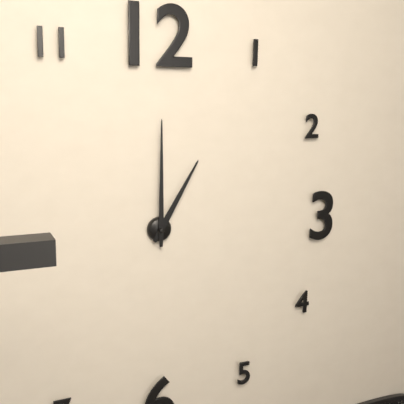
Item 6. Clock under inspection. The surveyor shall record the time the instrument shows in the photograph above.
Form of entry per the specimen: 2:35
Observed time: 1:00
